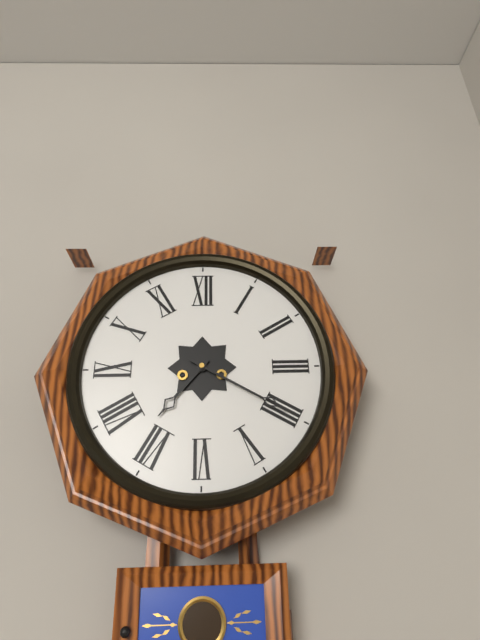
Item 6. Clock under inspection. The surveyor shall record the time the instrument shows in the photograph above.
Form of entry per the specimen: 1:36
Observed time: 7:20
